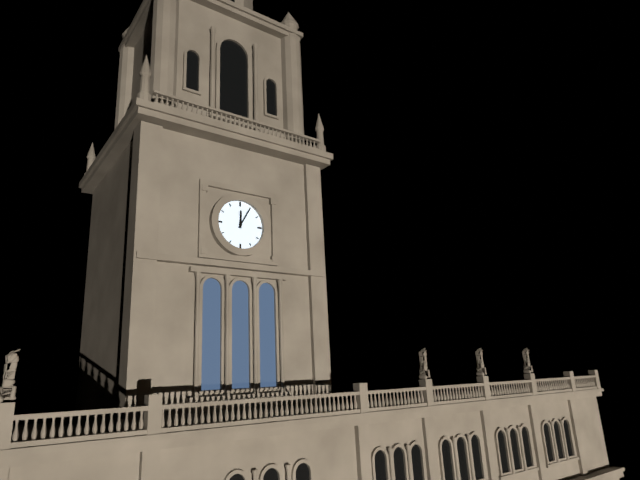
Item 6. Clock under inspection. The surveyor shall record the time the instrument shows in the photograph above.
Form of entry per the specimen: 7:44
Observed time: 12:05
